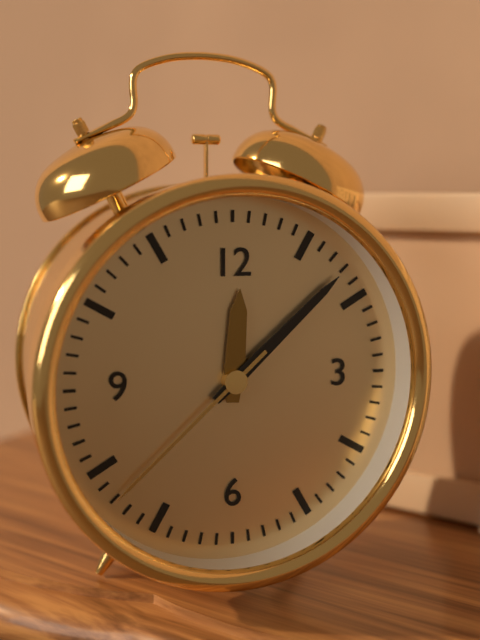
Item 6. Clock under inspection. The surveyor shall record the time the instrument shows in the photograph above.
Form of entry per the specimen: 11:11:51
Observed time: 12:08:38
